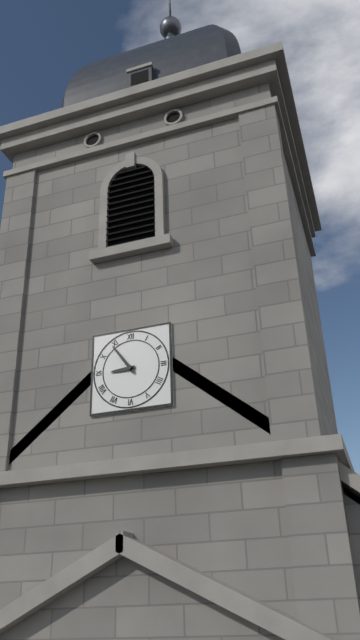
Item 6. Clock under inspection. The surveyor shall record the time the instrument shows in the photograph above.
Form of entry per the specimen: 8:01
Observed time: 8:54
